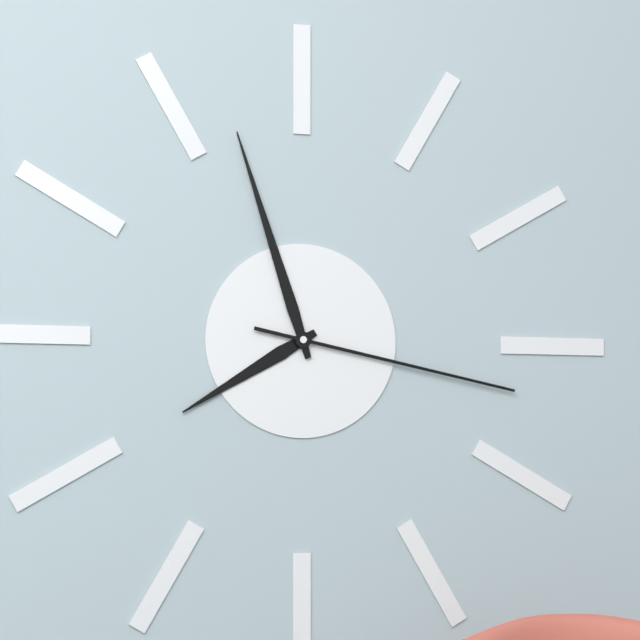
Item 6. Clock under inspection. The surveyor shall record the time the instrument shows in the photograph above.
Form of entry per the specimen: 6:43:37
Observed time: 7:57:17
